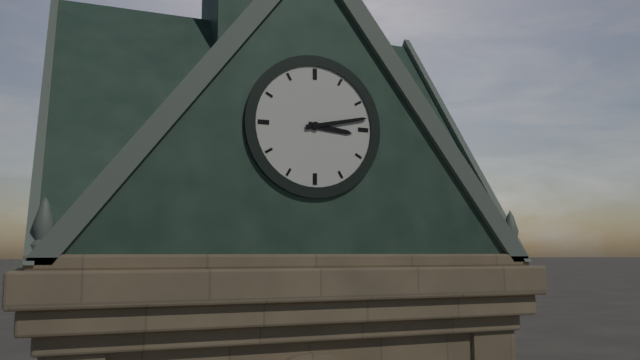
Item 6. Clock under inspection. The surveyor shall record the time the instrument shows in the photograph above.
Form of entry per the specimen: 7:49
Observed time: 3:13
